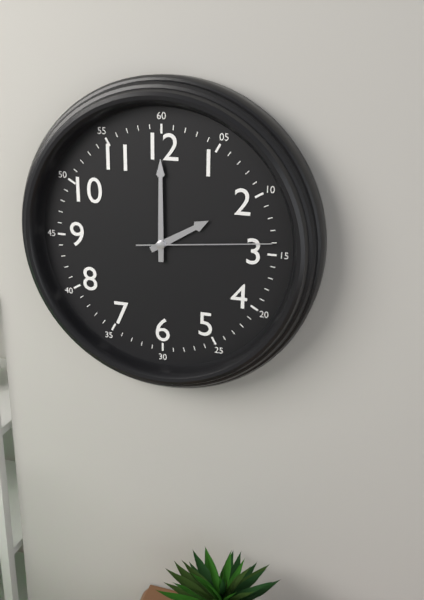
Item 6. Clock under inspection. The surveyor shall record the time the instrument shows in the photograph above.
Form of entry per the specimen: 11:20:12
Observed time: 2:00:14
